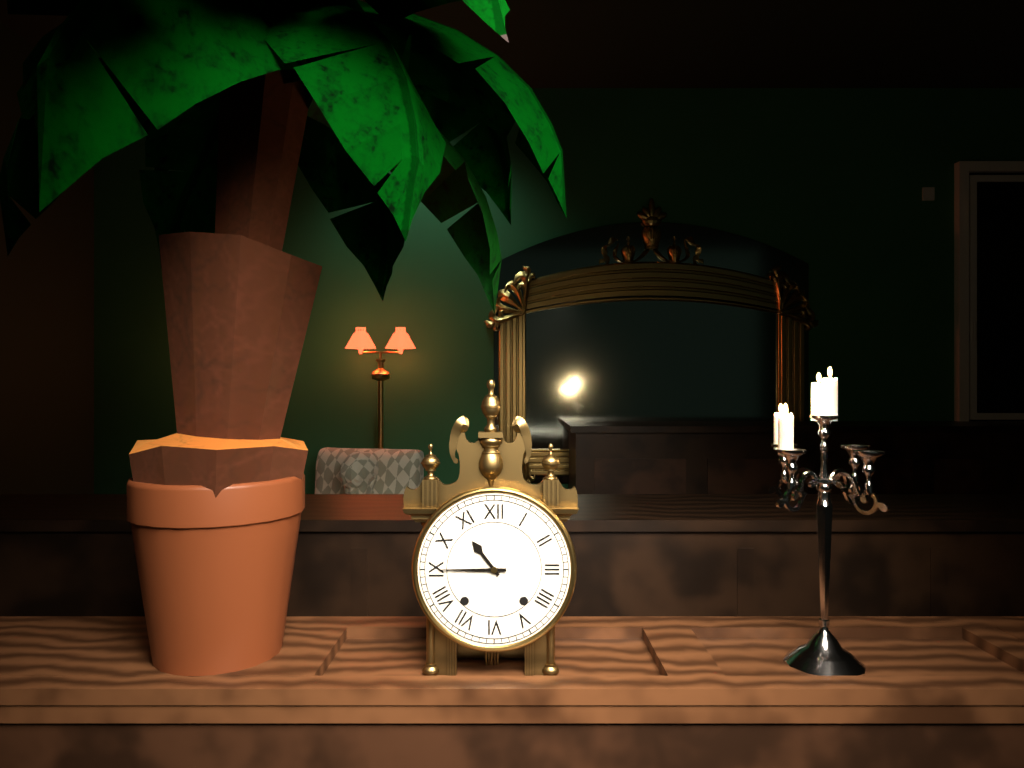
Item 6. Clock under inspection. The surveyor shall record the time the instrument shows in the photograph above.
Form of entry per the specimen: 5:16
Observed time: 10:45
